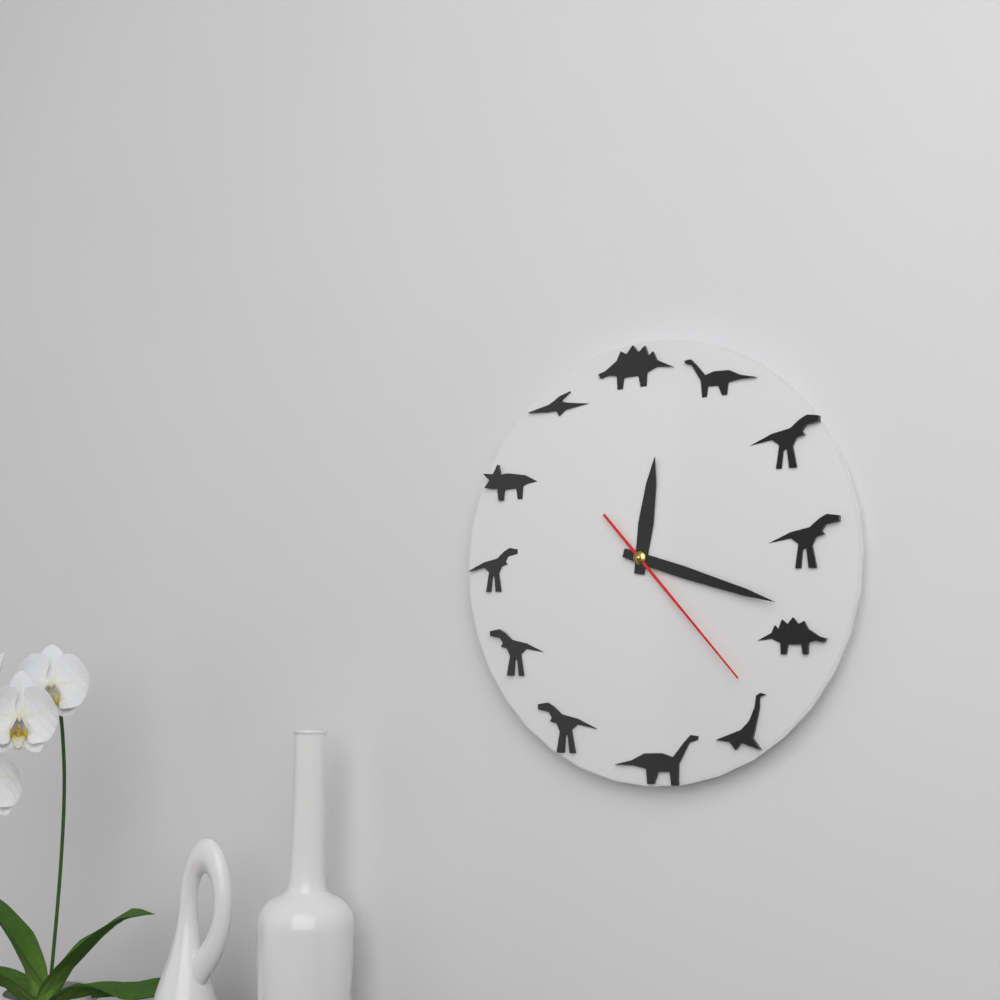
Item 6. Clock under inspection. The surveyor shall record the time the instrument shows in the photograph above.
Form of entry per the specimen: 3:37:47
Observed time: 12:18:23
